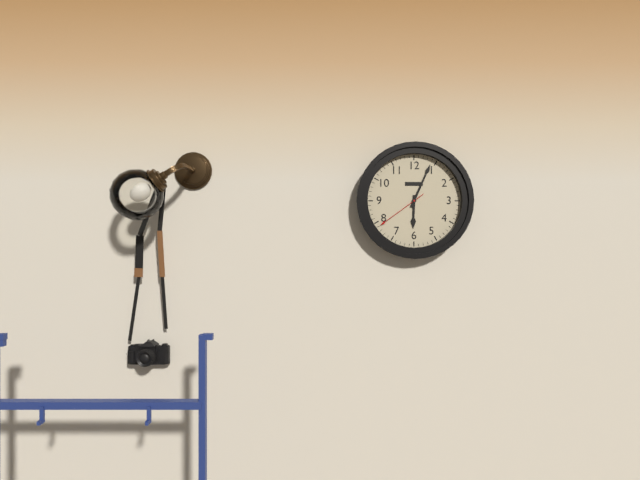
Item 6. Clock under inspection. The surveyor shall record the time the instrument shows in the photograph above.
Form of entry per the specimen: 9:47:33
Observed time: 6:04:39
